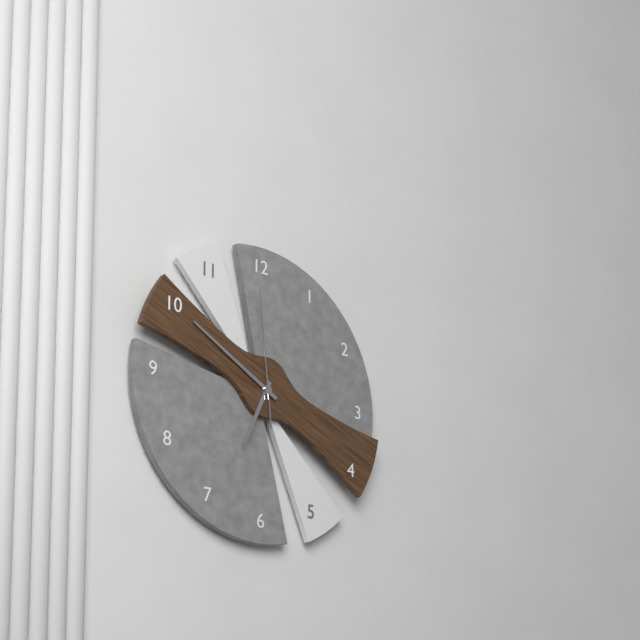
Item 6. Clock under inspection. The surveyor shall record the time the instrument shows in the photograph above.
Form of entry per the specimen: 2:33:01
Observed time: 6:50:59
